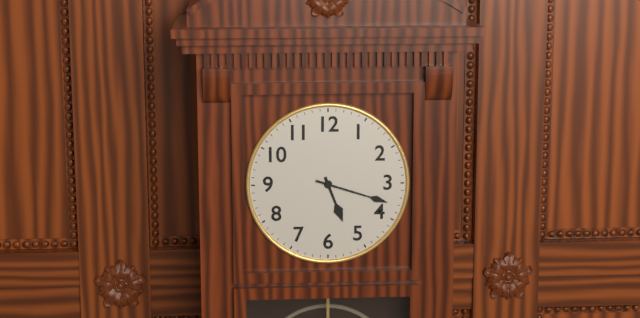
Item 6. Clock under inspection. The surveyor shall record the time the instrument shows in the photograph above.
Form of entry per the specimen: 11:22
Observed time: 5:18
